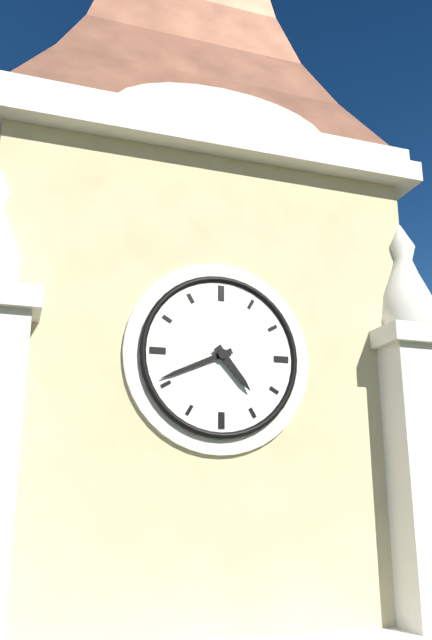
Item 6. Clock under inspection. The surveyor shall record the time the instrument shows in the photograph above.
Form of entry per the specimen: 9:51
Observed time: 4:41
